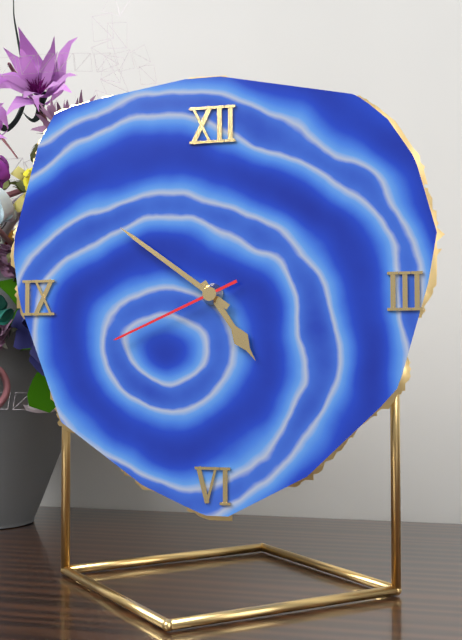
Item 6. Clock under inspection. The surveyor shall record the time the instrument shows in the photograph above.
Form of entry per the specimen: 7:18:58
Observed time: 4:51:41
